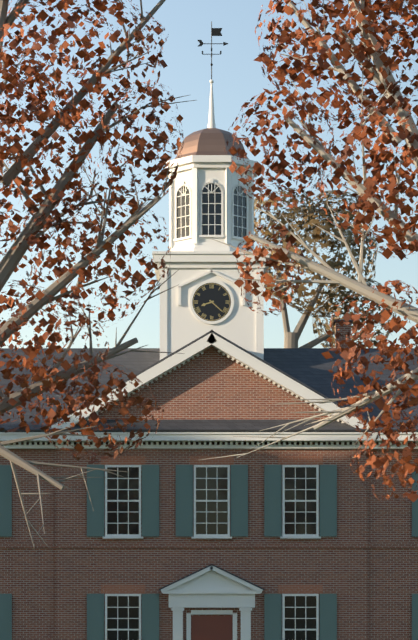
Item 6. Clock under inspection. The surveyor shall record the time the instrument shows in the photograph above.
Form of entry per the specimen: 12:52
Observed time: 8:22
